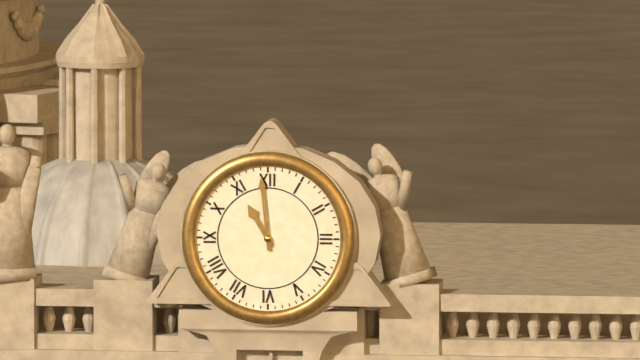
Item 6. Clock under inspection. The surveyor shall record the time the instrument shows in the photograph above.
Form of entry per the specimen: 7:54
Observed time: 10:59
